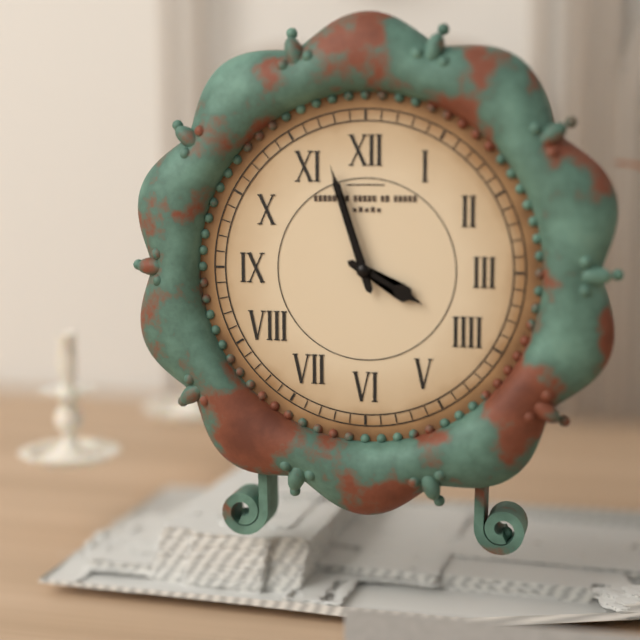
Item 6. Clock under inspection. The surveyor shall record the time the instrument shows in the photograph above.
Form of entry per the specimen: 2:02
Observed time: 3:57
